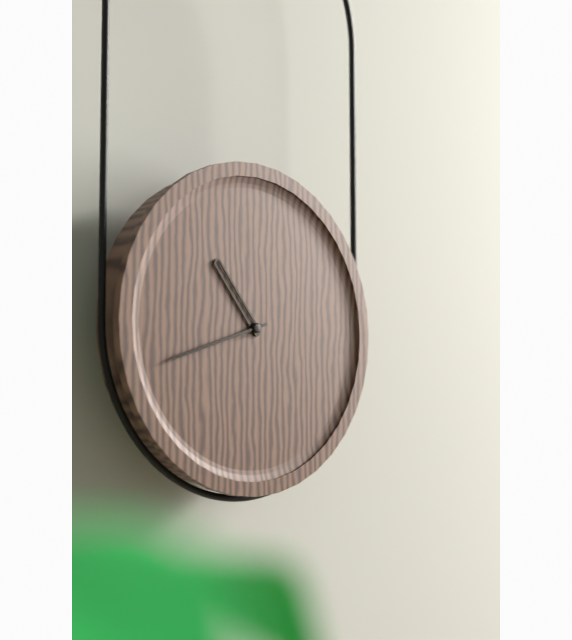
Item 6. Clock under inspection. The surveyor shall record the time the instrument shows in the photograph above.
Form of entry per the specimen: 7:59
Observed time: 10:42
